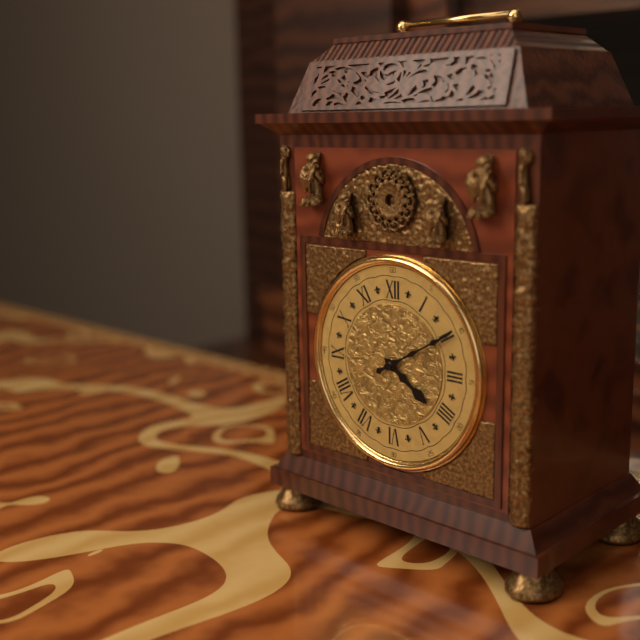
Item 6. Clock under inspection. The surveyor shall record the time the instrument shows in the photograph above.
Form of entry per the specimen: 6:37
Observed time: 4:10
